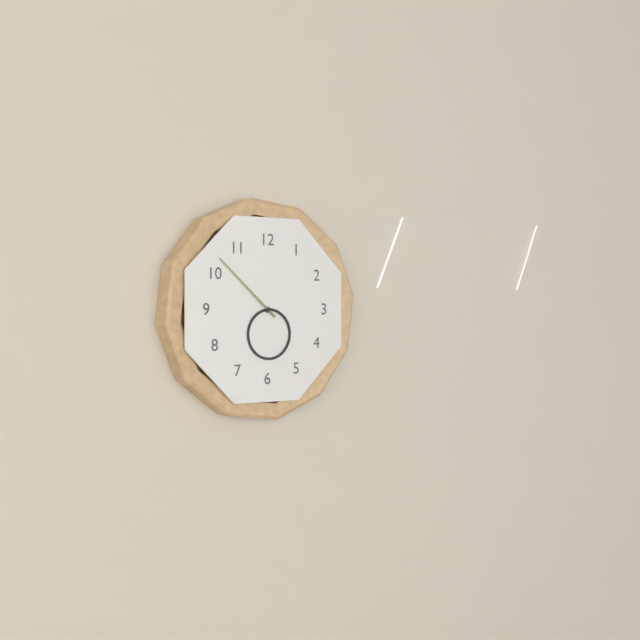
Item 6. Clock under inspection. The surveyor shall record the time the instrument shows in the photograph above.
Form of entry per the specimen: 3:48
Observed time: 5:52
